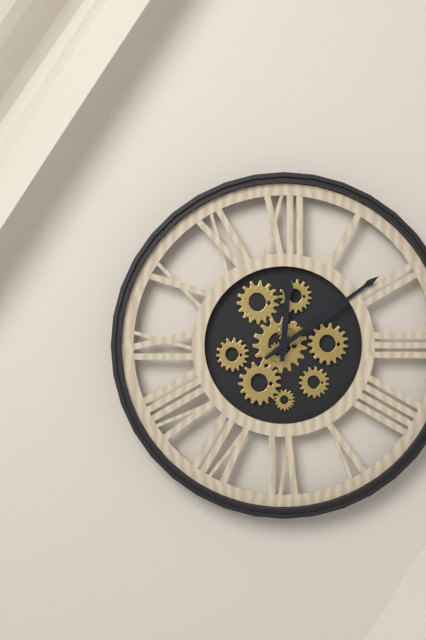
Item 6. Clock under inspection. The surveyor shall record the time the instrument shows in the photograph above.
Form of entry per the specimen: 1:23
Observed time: 12:09
